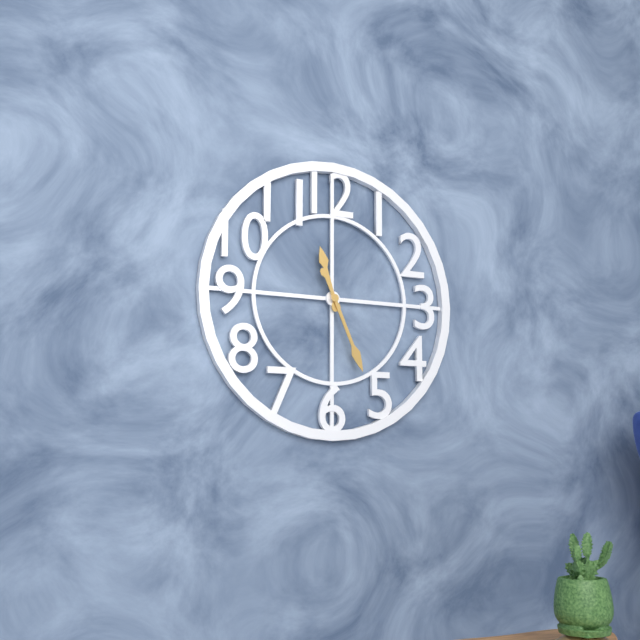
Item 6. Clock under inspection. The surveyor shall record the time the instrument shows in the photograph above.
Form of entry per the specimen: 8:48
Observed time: 11:26
